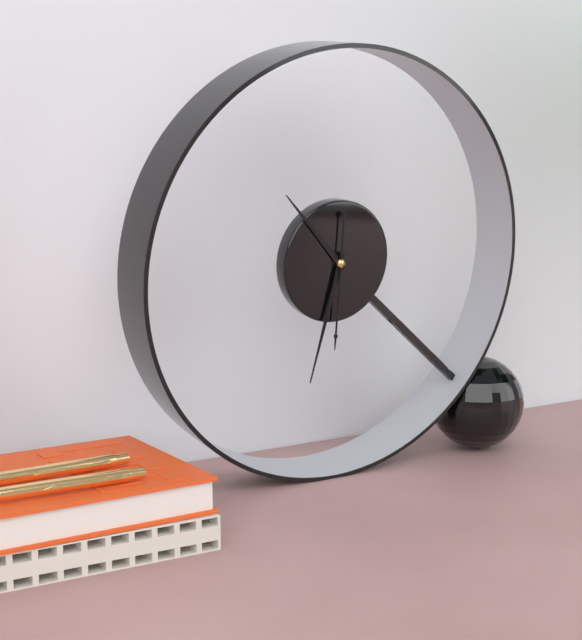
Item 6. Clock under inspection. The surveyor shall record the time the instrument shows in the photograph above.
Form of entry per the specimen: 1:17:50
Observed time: 10:32:30
